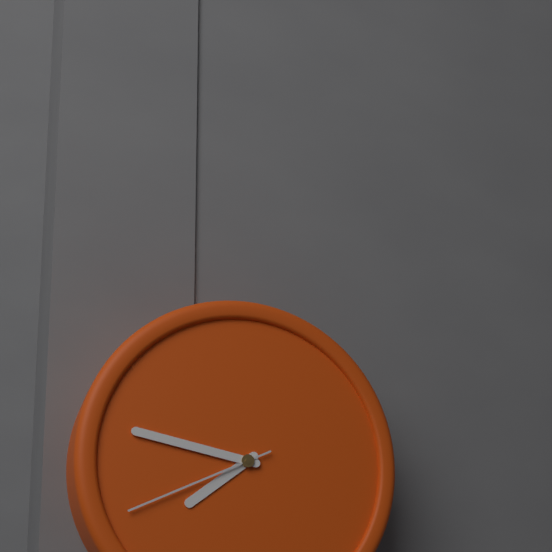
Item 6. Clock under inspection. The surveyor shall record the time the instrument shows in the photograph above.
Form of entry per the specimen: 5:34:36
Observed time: 7:47:41
